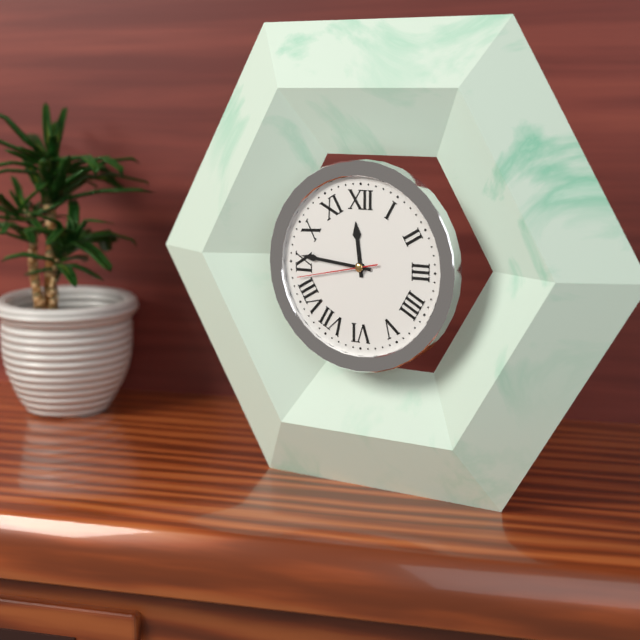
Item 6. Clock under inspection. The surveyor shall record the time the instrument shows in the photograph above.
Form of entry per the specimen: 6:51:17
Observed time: 11:46:43
